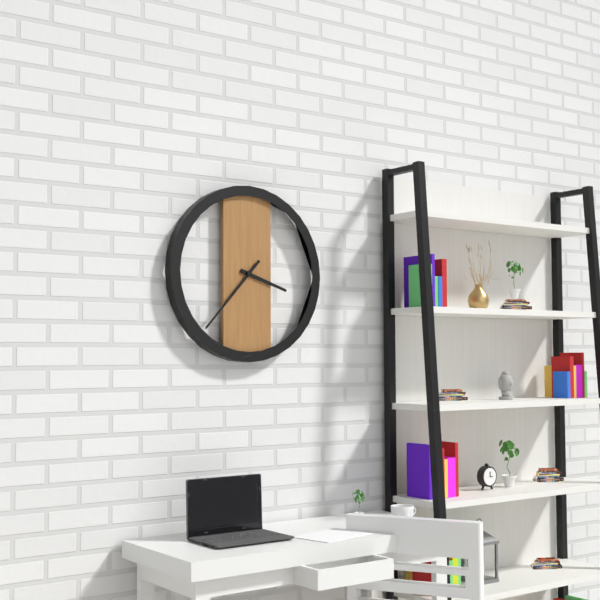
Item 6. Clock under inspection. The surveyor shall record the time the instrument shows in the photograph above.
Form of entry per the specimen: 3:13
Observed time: 3:37
